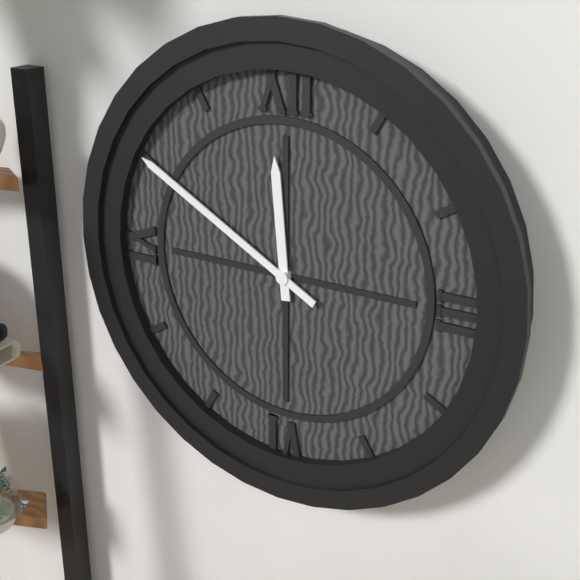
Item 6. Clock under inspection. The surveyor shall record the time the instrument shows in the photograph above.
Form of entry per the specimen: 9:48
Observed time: 11:50
